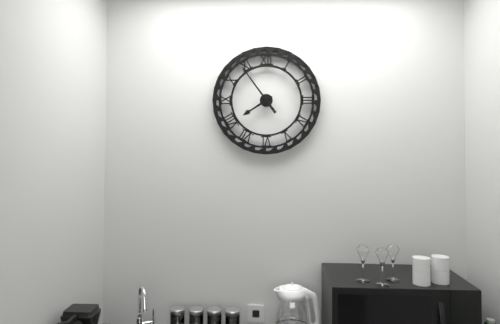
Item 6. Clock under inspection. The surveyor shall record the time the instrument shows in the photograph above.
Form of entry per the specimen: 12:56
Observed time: 7:54
